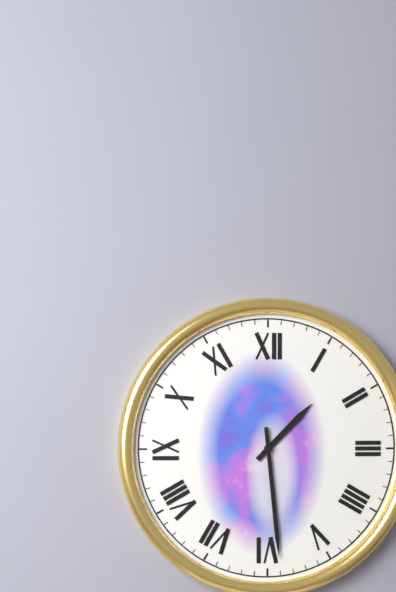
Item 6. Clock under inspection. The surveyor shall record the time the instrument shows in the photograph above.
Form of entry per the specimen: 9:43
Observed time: 1:29
